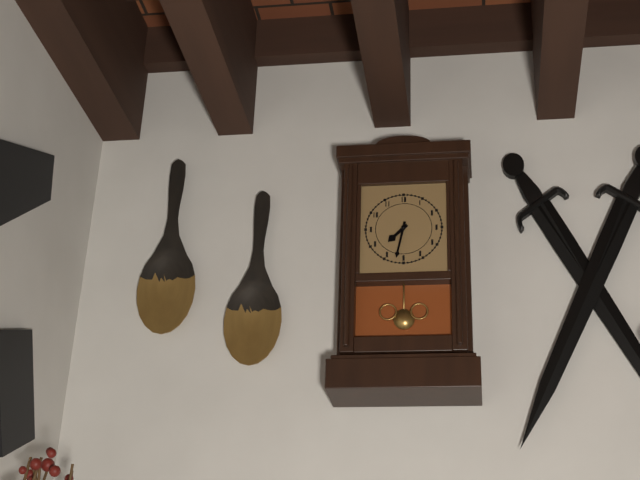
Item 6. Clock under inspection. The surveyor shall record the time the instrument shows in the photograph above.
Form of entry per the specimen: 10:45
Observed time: 7:32
